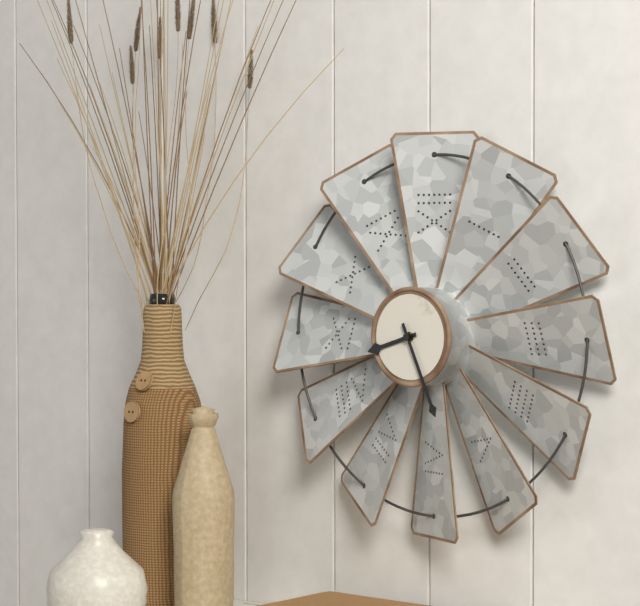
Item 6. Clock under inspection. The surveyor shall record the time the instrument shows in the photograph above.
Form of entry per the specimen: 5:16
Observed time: 8:26
